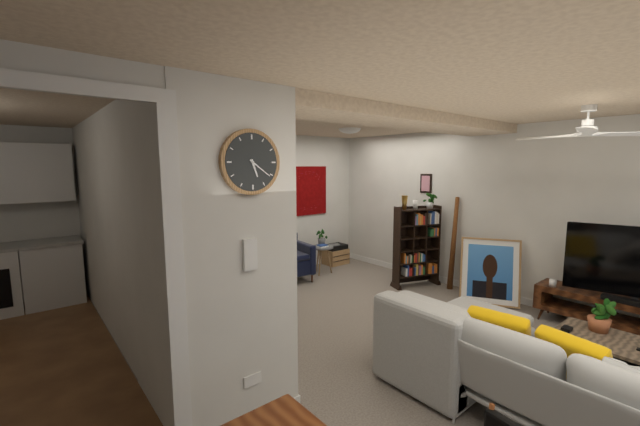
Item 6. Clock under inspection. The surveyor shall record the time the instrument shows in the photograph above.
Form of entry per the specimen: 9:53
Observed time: 5:21
